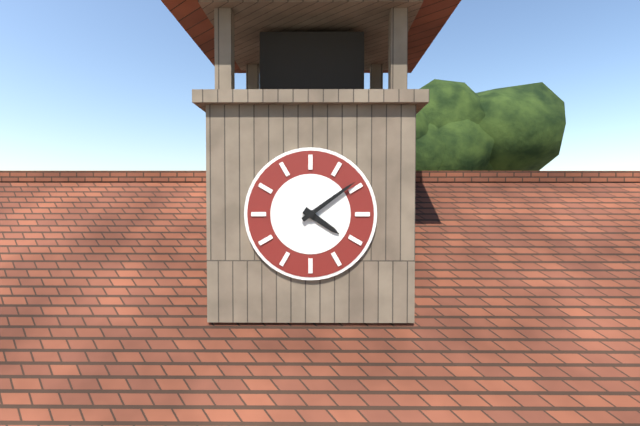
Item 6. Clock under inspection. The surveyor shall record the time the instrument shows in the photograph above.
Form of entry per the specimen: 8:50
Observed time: 4:09
